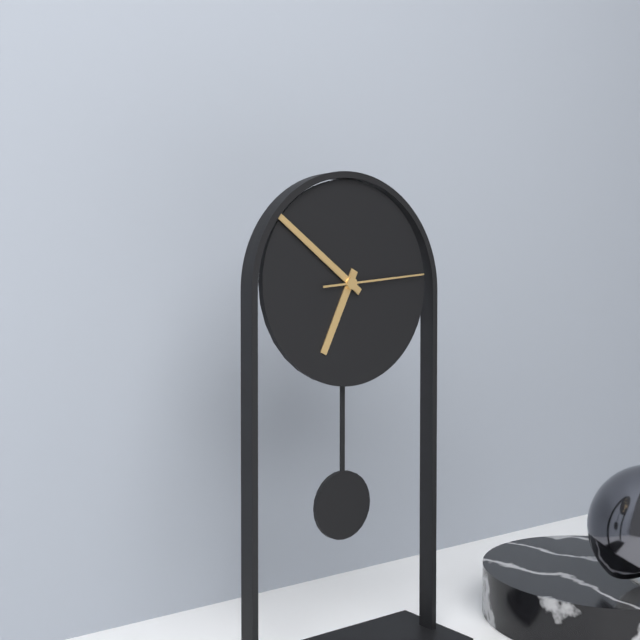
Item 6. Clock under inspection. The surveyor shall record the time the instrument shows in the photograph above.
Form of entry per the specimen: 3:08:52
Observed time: 6:51:14
